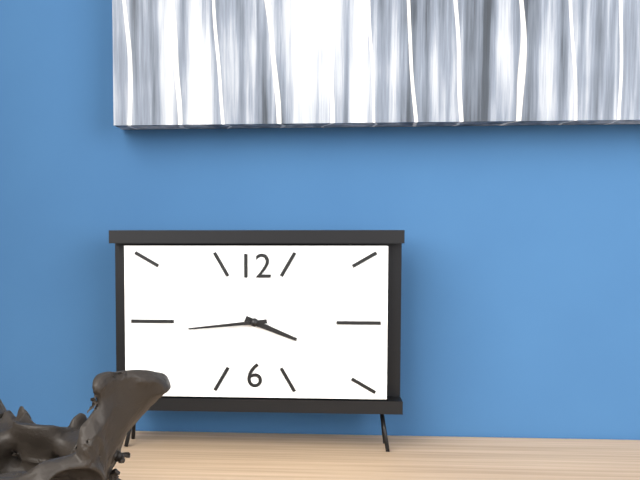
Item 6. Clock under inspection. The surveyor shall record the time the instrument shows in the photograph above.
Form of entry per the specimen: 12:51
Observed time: 3:44
